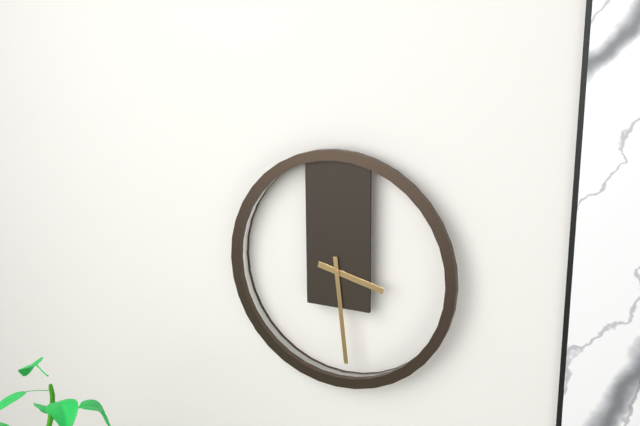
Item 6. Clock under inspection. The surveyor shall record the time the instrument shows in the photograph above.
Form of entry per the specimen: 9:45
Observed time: 3:29
